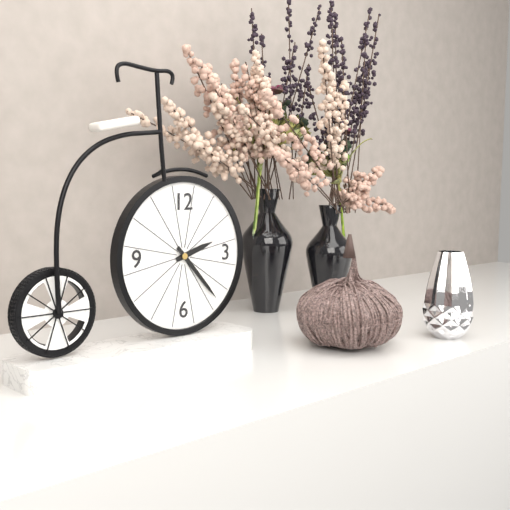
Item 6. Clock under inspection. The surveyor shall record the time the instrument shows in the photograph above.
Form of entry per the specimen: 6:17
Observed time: 2:23
